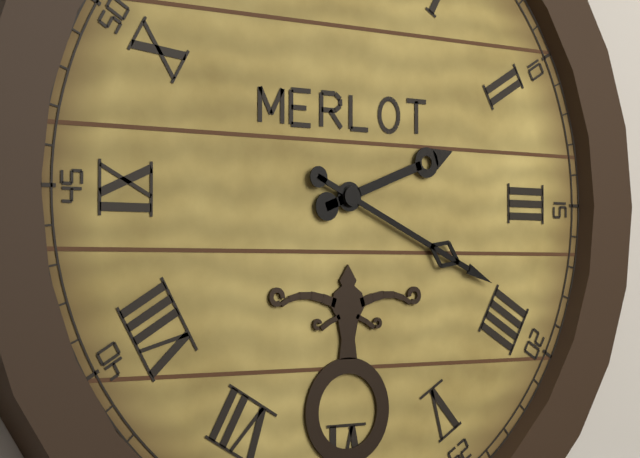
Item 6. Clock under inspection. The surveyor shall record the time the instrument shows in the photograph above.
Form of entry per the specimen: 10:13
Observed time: 2:19
